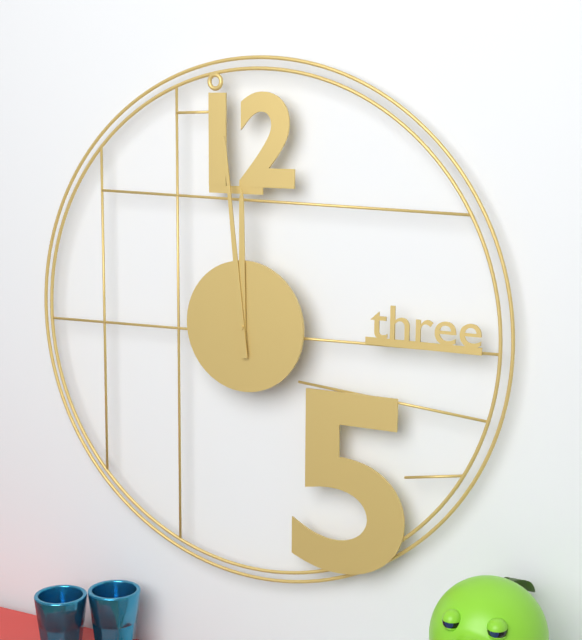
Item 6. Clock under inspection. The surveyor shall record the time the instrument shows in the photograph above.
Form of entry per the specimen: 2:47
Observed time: 11:59
